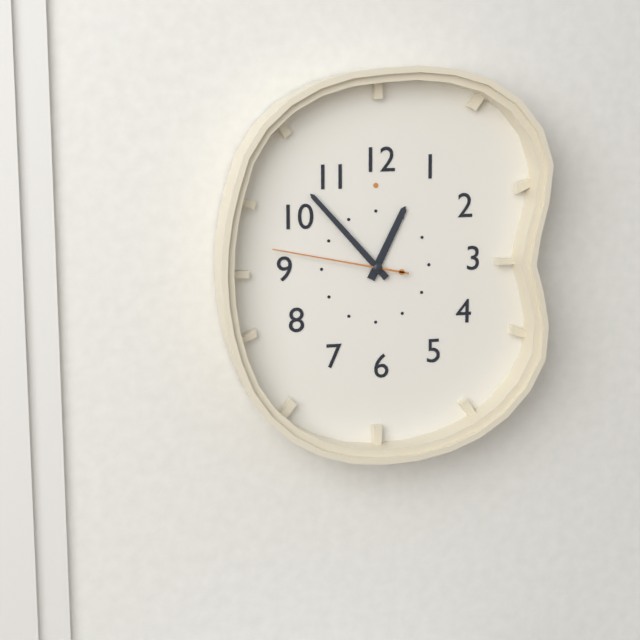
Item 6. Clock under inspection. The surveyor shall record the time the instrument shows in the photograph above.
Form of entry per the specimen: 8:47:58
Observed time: 12:53:47
